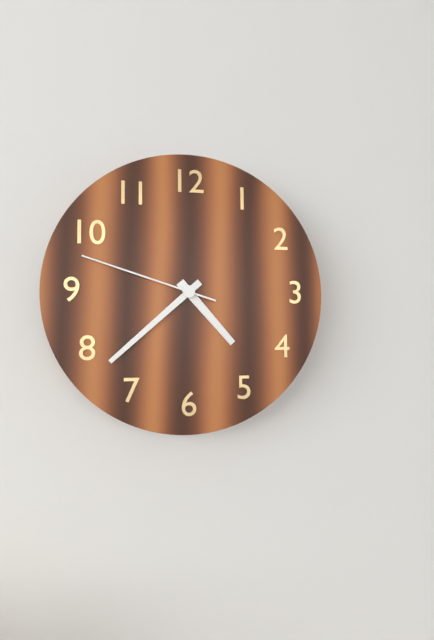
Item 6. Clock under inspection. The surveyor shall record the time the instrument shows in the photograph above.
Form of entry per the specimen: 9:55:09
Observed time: 4:38:48
